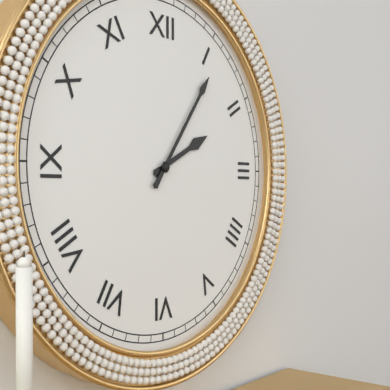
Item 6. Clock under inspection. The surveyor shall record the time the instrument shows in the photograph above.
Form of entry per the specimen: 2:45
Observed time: 2:06
